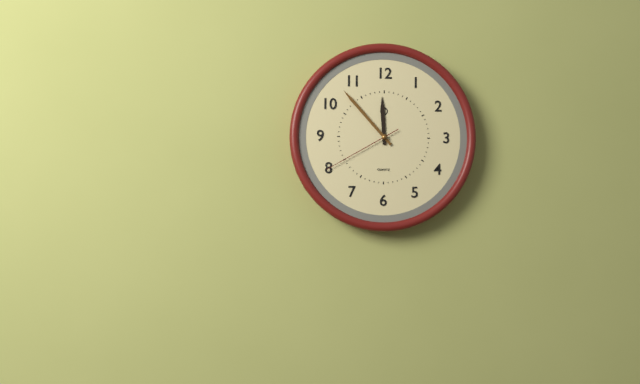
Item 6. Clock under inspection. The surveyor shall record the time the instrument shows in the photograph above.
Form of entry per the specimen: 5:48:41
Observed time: 11:53:40
